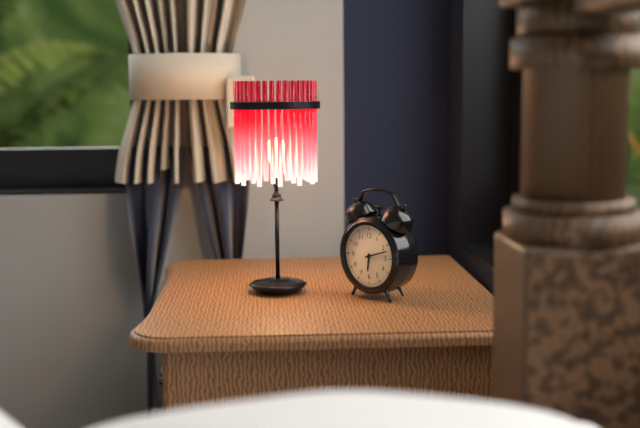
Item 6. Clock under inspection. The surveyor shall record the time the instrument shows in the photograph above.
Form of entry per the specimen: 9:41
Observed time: 6:12
